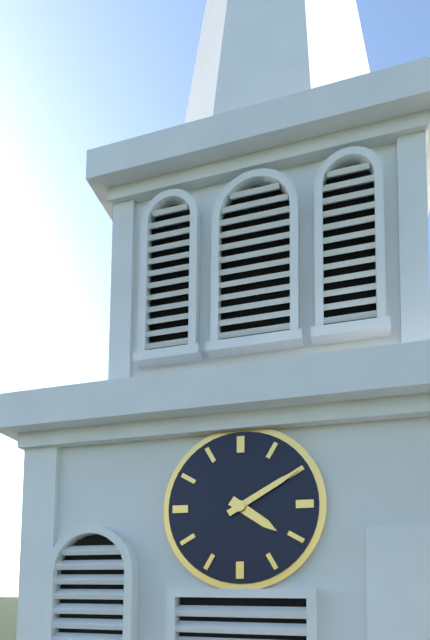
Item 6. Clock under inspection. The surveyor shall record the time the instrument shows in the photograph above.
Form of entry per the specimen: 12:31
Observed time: 4:10
